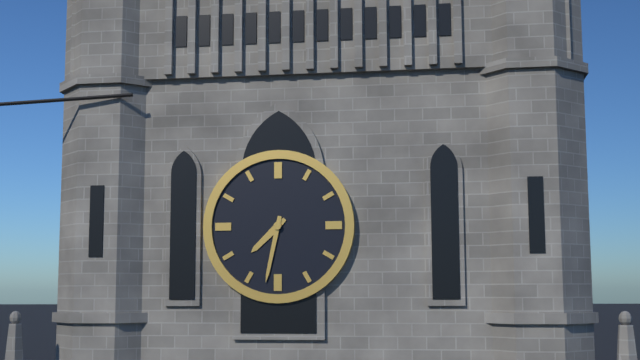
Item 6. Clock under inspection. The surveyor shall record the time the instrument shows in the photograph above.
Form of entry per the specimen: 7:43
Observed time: 7:32
